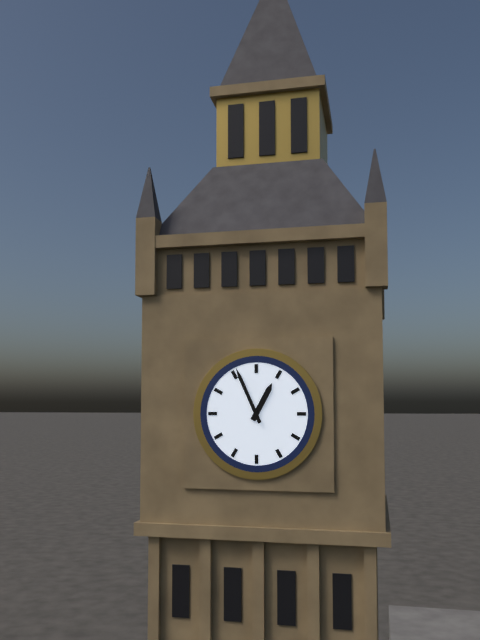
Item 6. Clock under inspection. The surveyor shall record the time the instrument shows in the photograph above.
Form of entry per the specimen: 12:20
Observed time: 12:56
